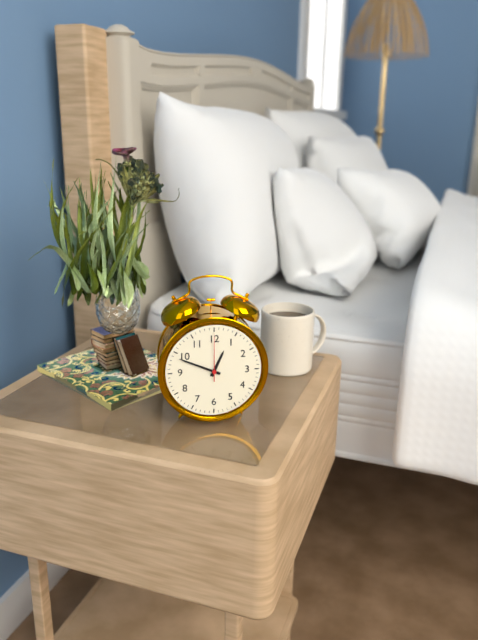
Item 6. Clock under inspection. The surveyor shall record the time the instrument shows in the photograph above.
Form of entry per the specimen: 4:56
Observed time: 12:49
